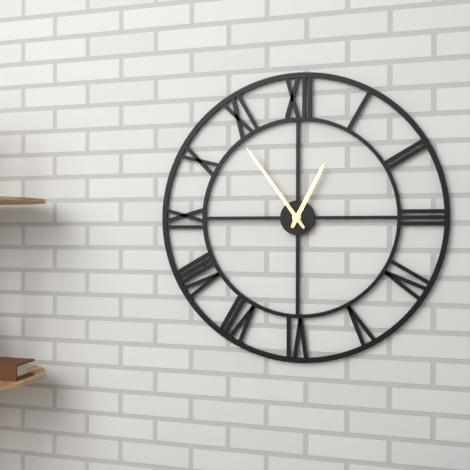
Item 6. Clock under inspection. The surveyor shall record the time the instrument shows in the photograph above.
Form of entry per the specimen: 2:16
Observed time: 12:54
